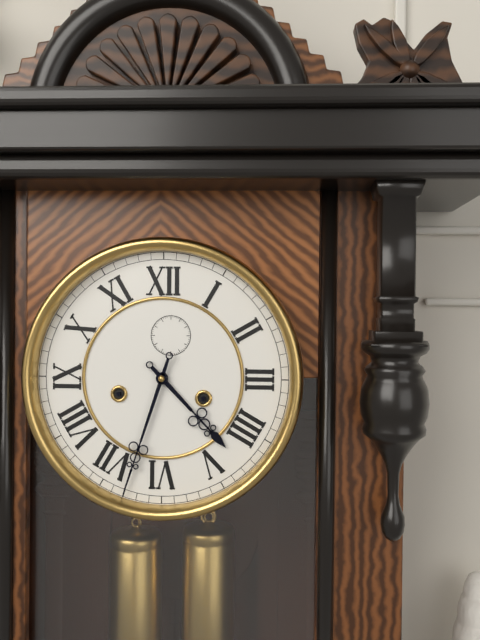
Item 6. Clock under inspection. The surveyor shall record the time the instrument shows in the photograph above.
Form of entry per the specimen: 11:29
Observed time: 4:33
